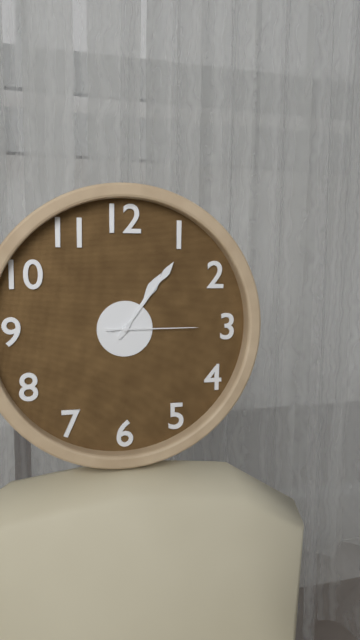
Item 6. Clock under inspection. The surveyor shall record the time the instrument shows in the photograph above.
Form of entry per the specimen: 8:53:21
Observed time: 1:06:15
